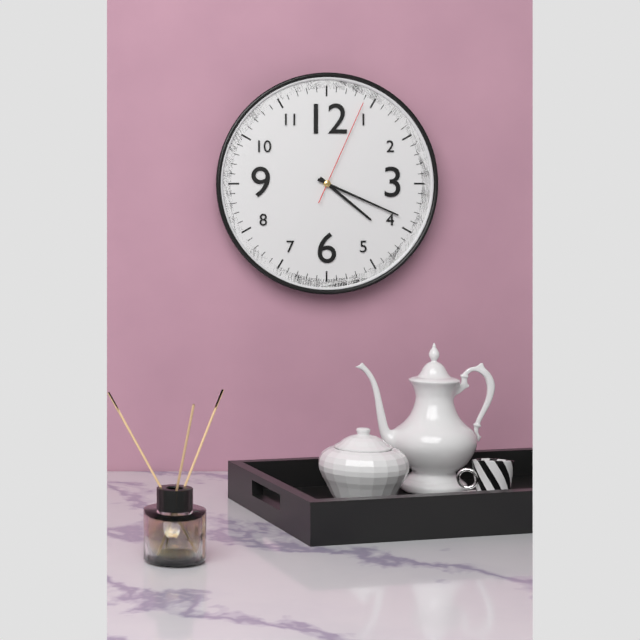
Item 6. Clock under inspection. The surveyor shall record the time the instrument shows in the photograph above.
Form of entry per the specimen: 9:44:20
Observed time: 4:19:04
